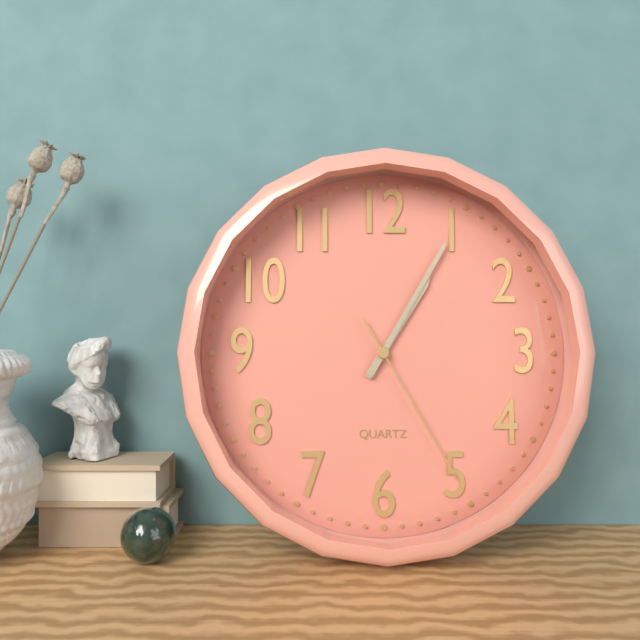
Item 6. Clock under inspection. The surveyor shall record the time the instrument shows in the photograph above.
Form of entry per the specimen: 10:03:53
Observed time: 1:05:25
